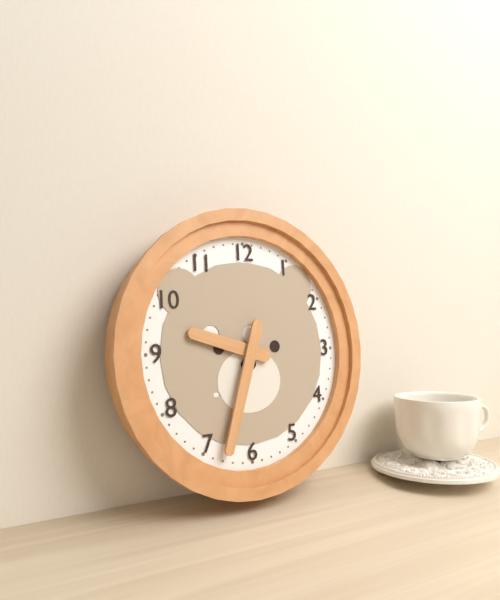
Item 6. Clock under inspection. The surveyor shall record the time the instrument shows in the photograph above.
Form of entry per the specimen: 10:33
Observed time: 9:33
